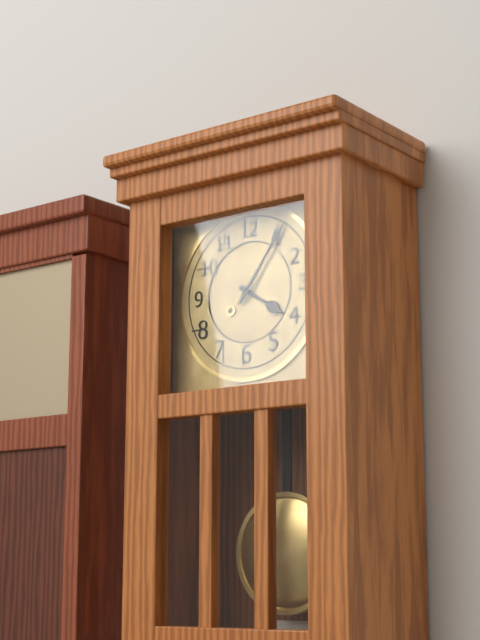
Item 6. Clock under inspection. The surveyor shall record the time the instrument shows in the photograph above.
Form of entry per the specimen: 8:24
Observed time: 4:06
